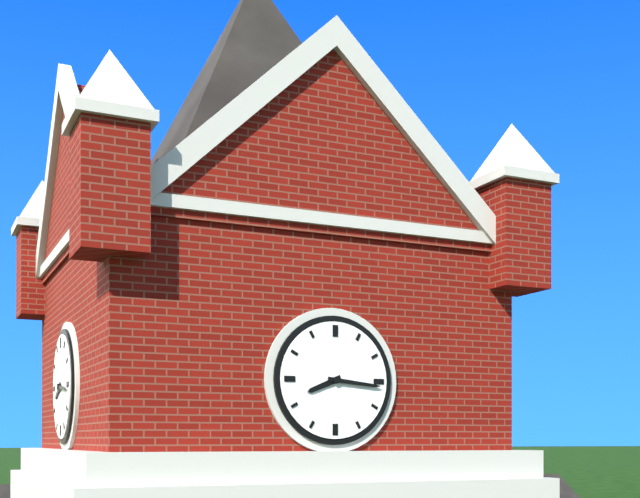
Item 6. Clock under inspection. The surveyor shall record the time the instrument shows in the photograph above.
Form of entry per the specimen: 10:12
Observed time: 8:16
